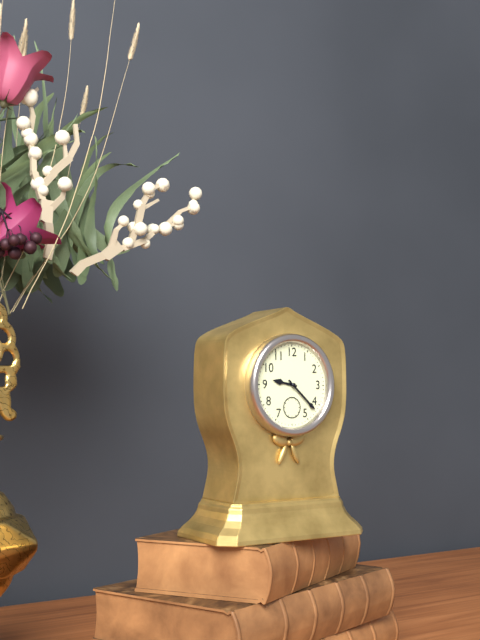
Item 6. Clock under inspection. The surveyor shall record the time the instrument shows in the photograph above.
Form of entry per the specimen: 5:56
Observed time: 9:22
